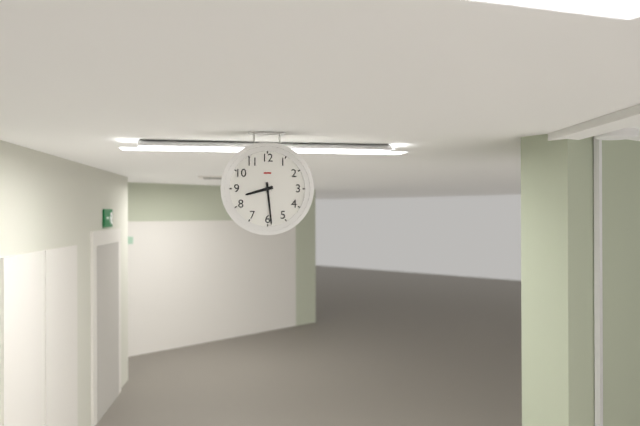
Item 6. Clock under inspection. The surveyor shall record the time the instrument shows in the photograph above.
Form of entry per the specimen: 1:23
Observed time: 8:29
